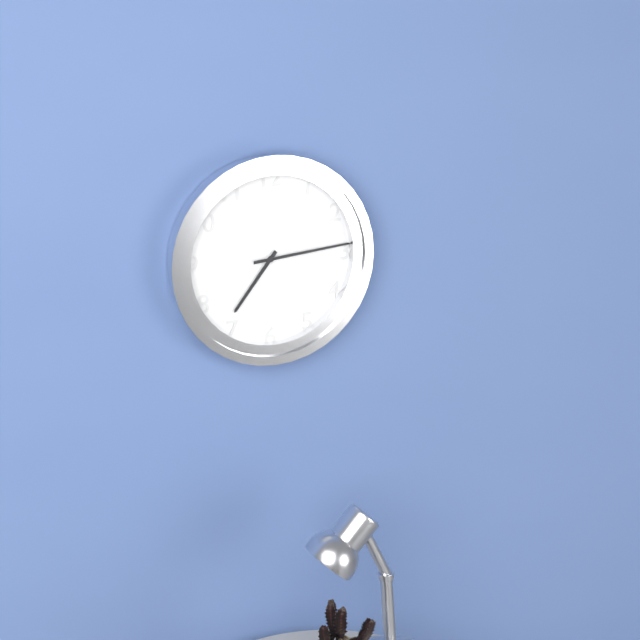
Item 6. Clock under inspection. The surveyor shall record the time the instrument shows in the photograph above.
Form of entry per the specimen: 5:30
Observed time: 7:14
